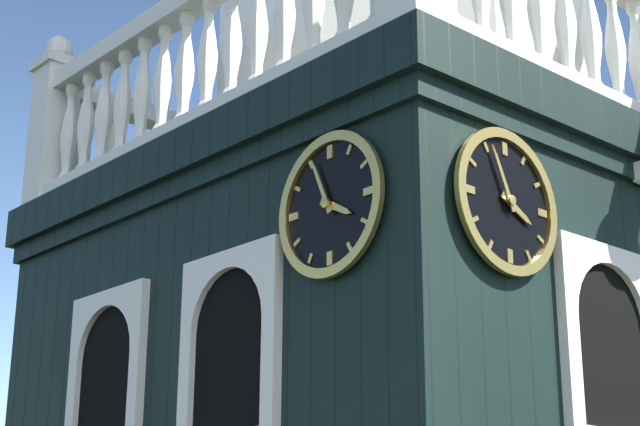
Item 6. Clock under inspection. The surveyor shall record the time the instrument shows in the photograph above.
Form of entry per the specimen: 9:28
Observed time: 3:56
